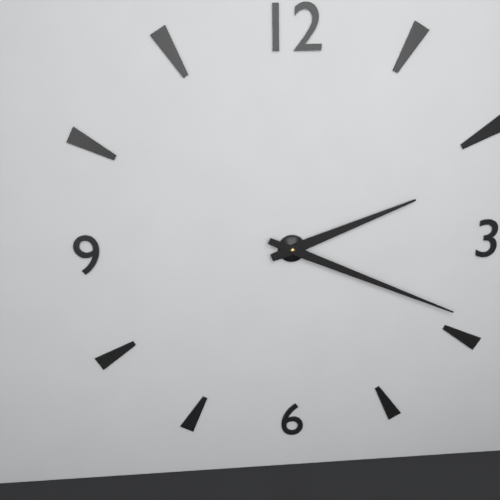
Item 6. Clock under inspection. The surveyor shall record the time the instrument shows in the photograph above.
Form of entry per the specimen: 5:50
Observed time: 2:19
